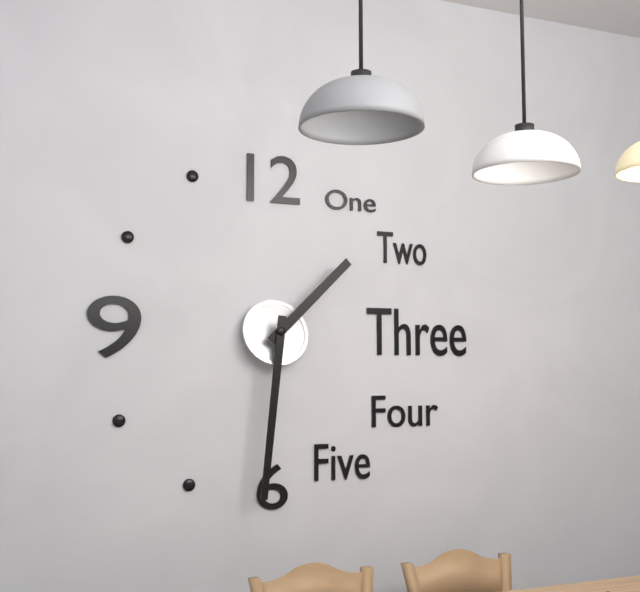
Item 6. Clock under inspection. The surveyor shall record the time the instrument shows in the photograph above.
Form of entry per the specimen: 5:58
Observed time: 1:31
